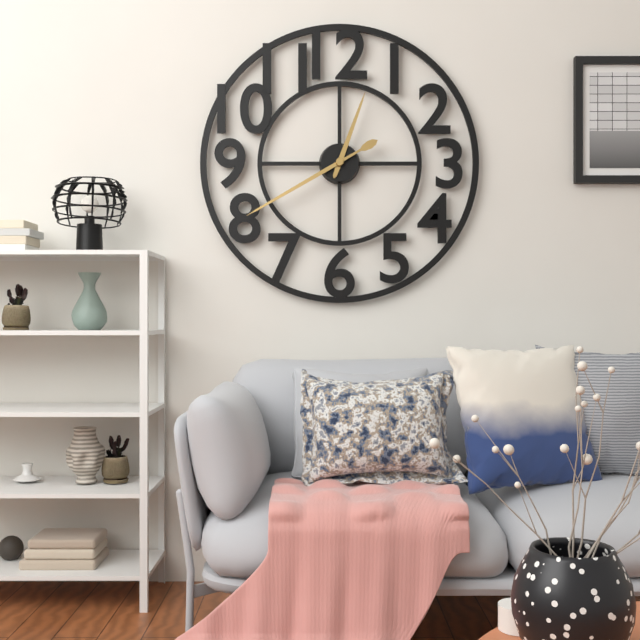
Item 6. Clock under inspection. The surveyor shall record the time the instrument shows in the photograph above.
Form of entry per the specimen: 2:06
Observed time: 12:40
